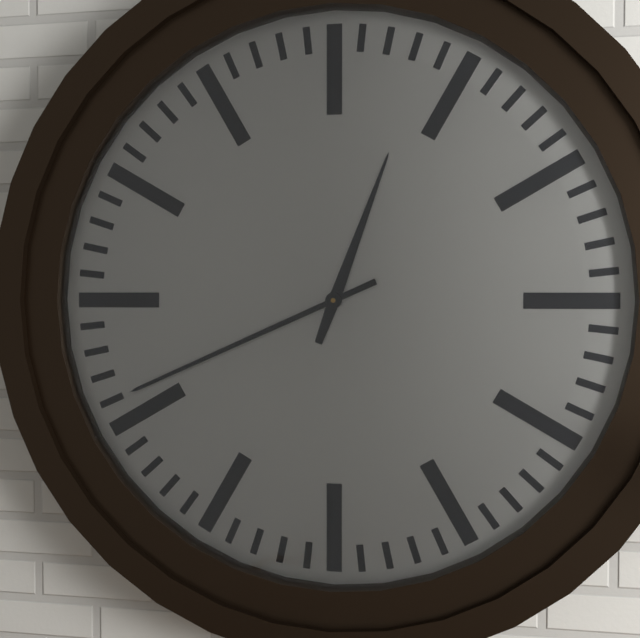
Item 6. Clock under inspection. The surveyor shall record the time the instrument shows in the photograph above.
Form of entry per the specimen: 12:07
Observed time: 12:41
